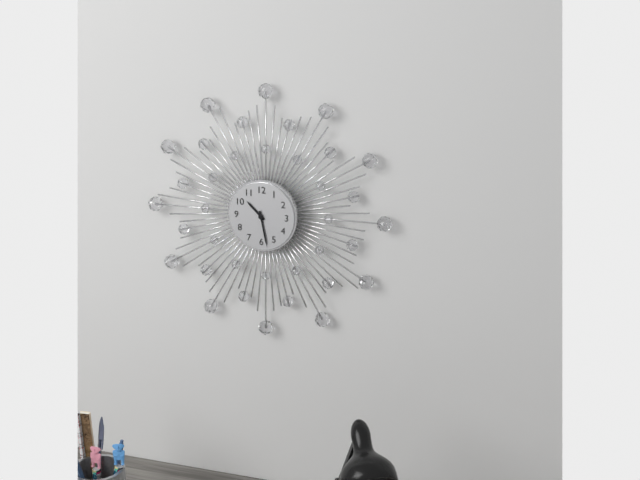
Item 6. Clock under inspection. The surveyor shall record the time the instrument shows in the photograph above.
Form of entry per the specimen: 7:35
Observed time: 10:28
